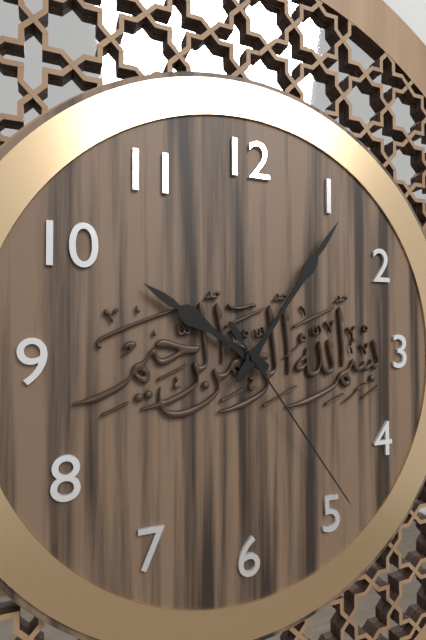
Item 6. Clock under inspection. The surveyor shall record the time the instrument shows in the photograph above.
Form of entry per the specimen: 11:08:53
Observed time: 10:06:24
